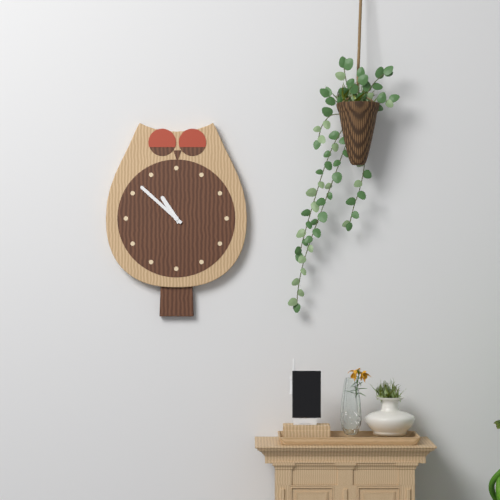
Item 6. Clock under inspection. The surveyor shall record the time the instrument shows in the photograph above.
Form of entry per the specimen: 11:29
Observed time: 10:52
